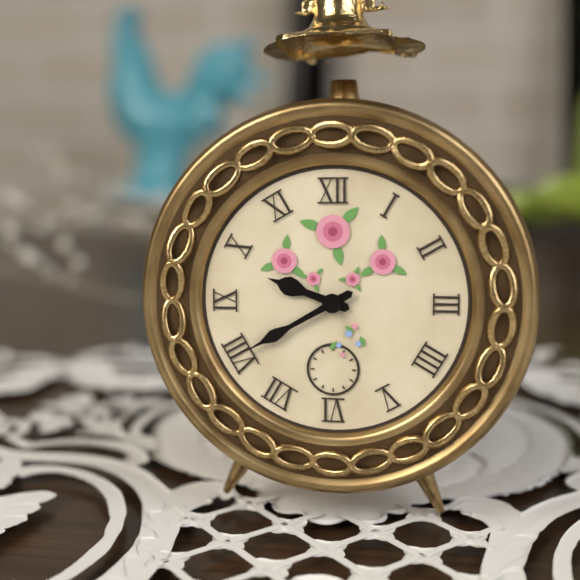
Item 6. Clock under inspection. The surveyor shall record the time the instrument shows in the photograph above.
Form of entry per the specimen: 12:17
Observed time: 9:40
